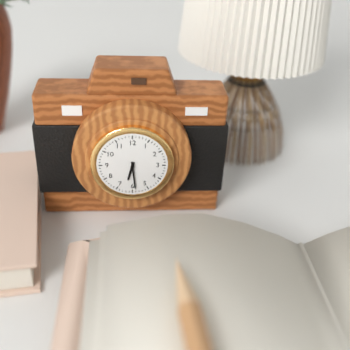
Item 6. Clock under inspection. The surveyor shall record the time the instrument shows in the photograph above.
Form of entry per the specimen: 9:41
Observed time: 6:29
